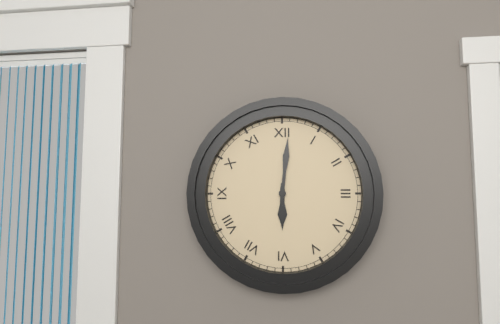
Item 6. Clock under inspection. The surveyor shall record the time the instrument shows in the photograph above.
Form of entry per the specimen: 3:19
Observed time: 6:01
